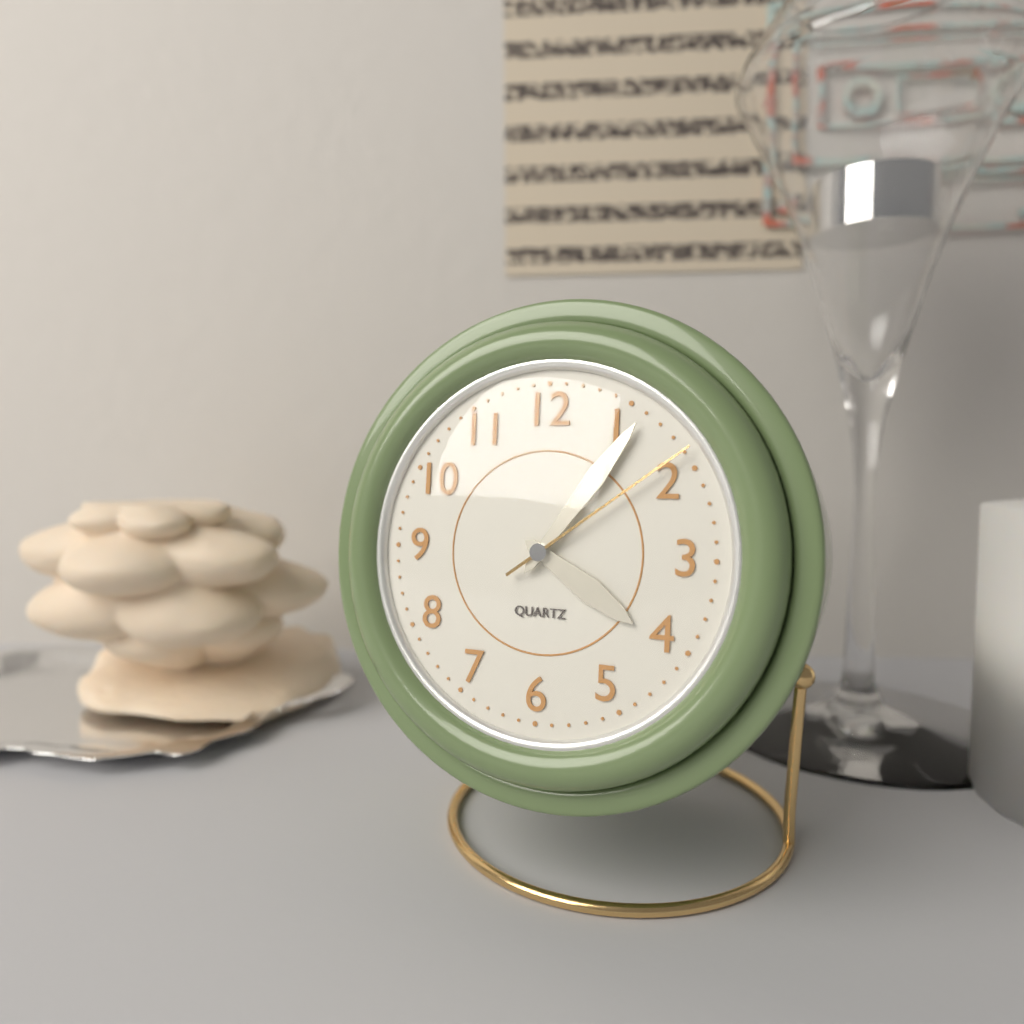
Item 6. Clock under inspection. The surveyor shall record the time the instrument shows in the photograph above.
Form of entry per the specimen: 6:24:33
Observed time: 4:06:09
